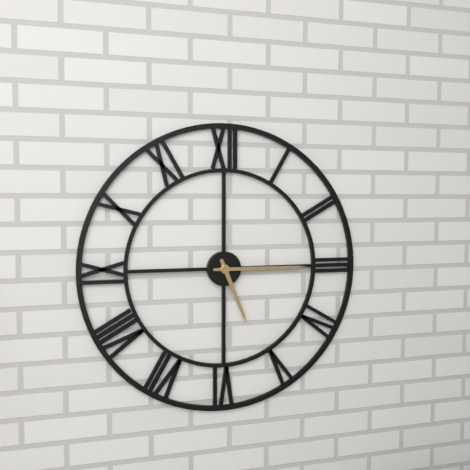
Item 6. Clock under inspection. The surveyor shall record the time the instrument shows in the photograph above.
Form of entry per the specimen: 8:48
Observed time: 5:15
